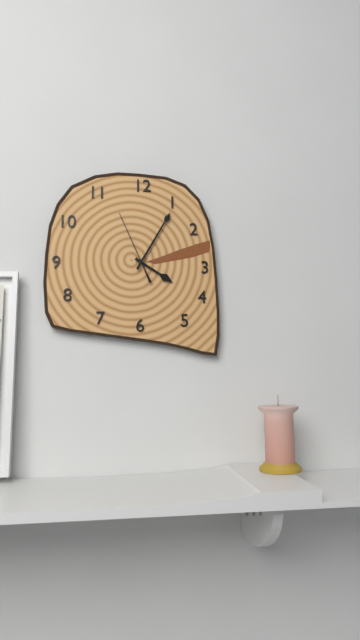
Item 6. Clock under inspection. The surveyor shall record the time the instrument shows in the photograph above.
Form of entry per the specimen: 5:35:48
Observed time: 4:05:56
